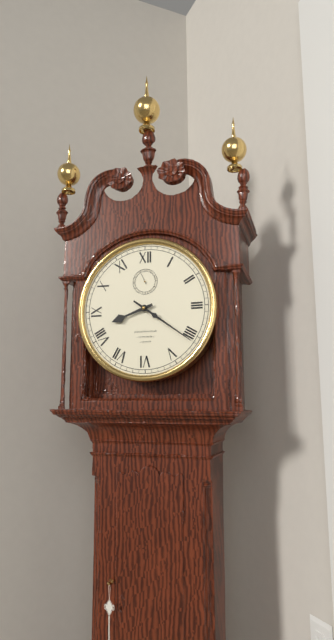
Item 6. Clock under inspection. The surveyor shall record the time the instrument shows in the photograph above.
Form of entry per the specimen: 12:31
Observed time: 8:21
